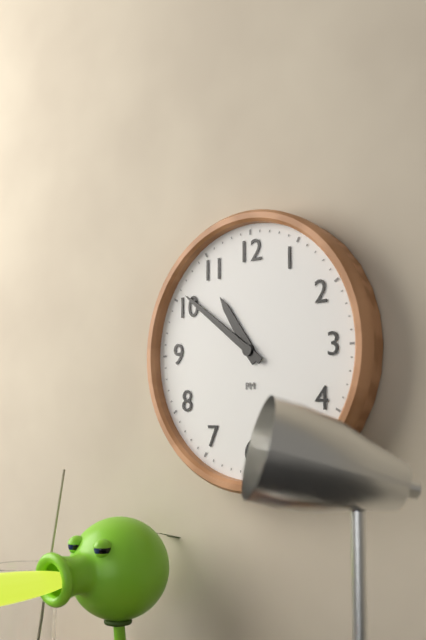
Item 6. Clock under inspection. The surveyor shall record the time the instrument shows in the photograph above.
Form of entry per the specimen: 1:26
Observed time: 10:51
